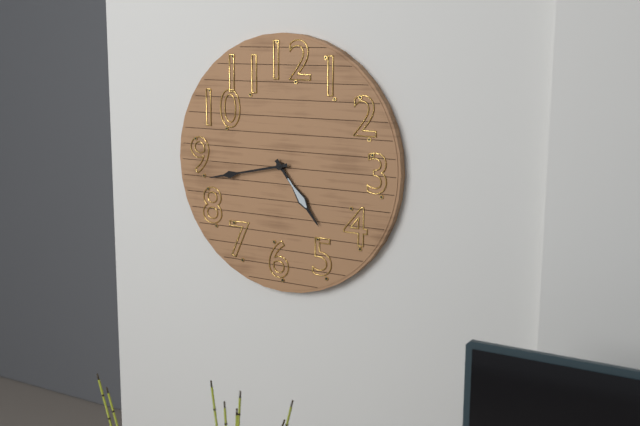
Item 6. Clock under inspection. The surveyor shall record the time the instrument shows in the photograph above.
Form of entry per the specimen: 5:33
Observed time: 4:43
